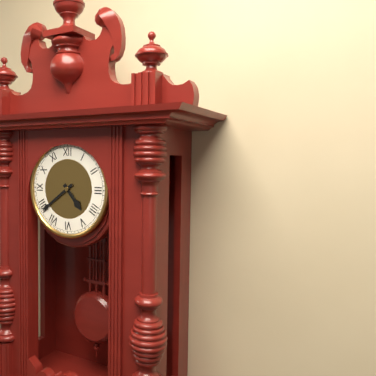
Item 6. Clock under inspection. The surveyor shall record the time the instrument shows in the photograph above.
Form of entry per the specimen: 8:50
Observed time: 4:39
